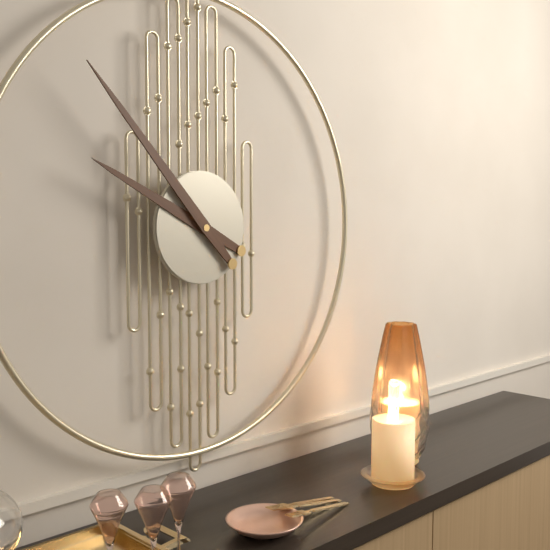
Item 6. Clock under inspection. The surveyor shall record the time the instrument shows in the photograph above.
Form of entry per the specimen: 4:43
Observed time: 9:53
